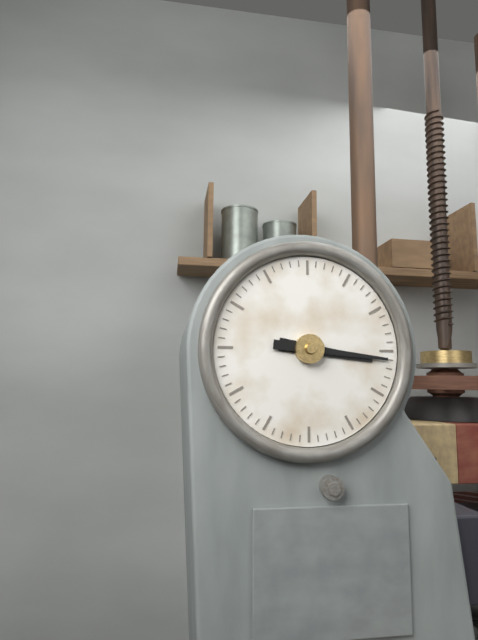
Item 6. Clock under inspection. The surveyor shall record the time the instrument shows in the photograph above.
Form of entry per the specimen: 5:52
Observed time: 3:16
